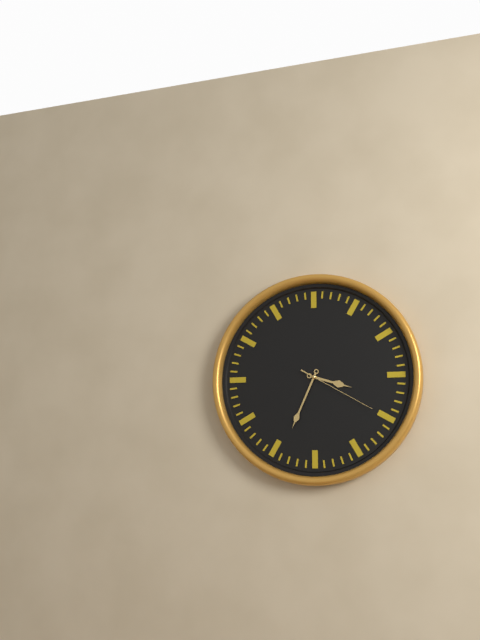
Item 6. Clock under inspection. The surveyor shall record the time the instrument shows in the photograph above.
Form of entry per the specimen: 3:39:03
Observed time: 3:34:20
